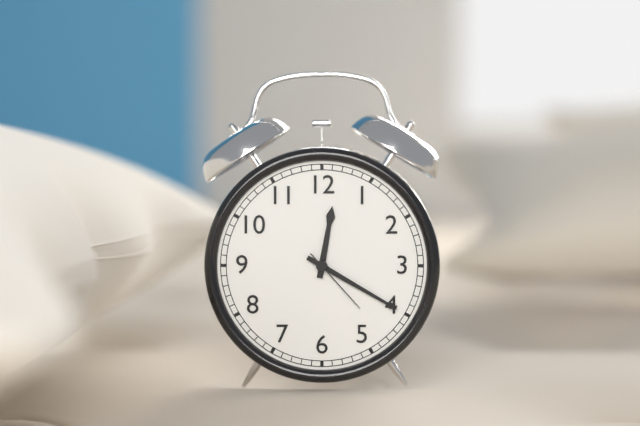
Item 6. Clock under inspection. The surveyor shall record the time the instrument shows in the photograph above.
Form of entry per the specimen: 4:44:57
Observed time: 12:20:23
